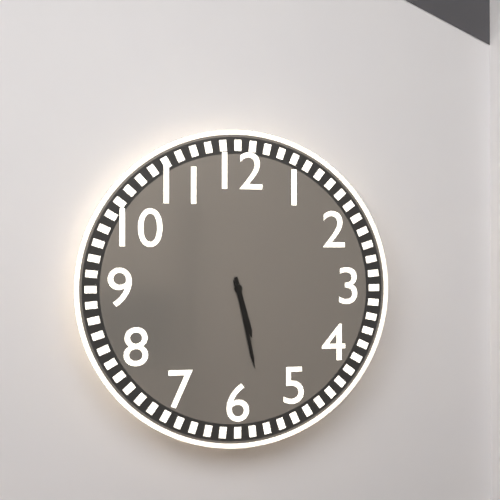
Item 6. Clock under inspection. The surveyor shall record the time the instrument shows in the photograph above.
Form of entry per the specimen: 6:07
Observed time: 5:28
